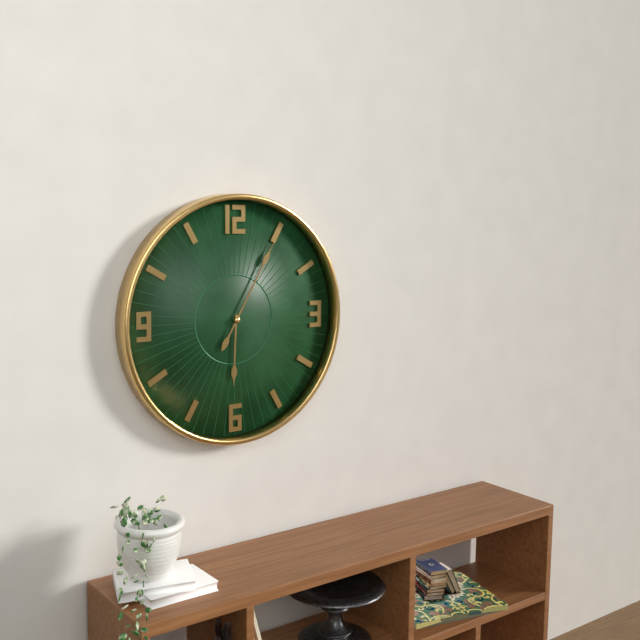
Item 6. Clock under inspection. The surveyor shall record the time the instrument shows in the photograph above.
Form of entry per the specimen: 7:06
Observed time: 6:05
